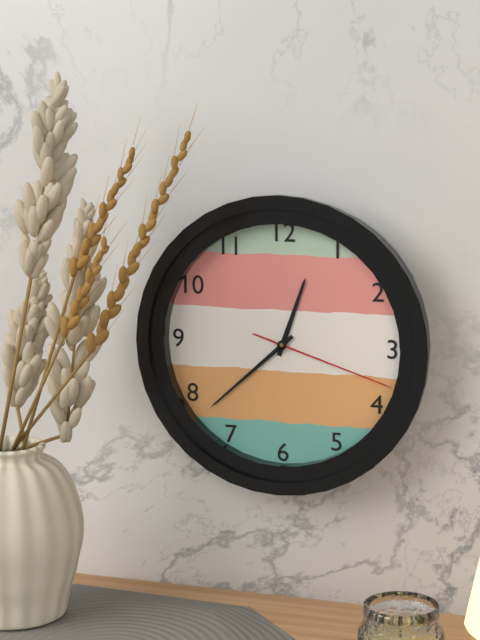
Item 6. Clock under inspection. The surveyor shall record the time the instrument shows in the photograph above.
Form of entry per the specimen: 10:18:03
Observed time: 12:38:18
